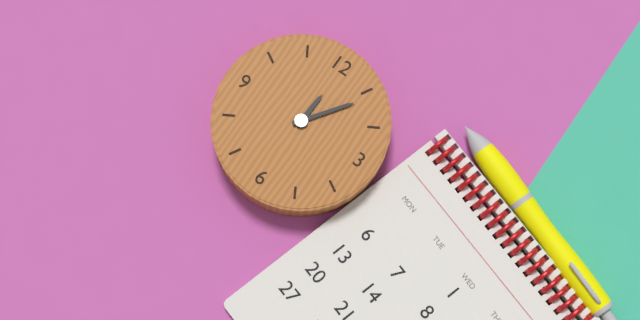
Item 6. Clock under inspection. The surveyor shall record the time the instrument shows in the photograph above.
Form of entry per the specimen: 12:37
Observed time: 12:06
